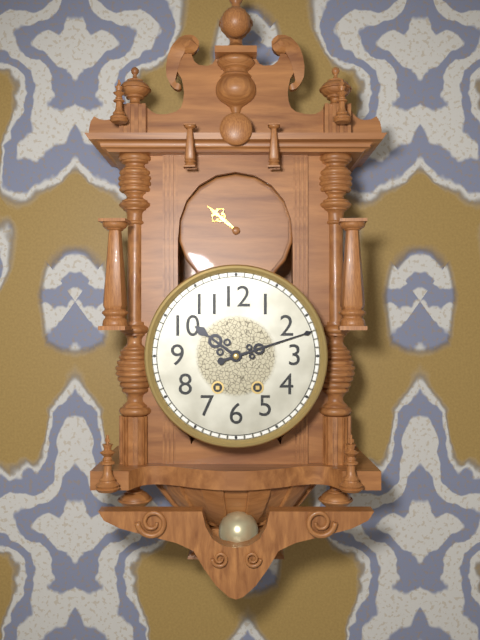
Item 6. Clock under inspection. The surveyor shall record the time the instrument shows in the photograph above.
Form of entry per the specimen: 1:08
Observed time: 10:12
